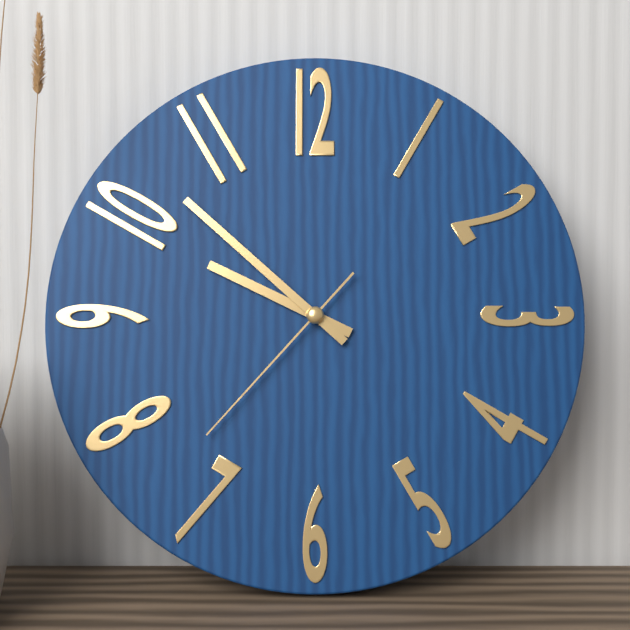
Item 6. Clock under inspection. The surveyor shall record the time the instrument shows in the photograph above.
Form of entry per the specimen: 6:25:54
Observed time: 9:52:37
